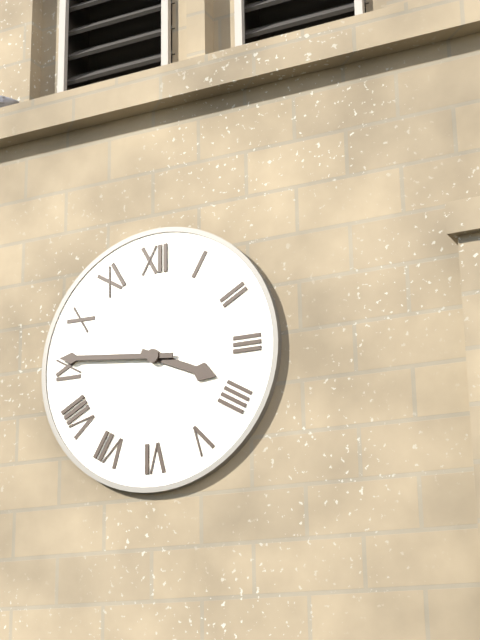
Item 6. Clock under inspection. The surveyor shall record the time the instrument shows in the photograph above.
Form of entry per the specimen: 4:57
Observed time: 3:46
